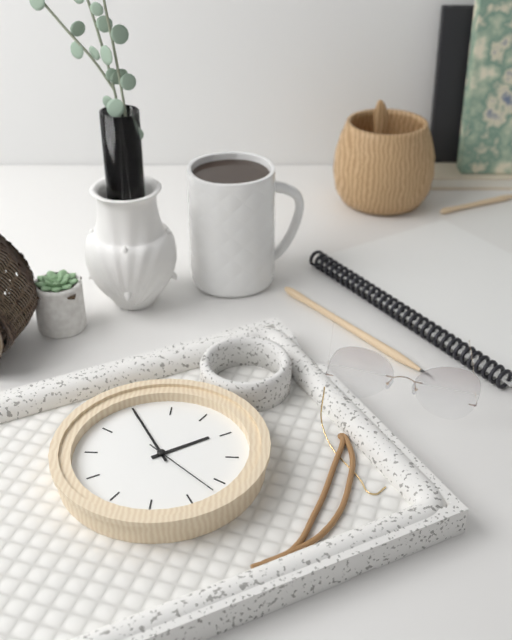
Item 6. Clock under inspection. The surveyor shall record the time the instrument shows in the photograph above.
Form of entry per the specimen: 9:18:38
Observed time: 1:55:22
